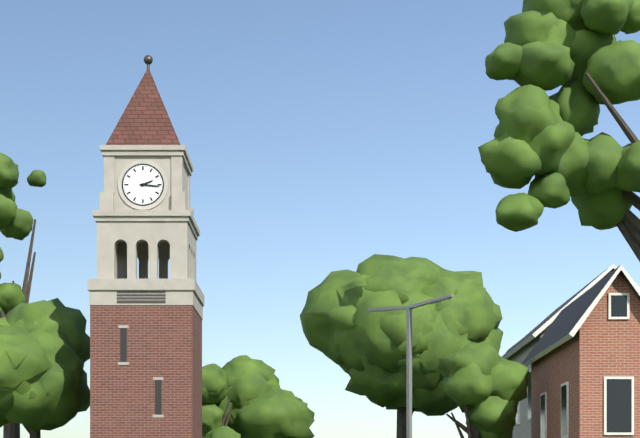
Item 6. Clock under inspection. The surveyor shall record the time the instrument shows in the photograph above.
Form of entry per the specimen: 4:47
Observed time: 2:16
